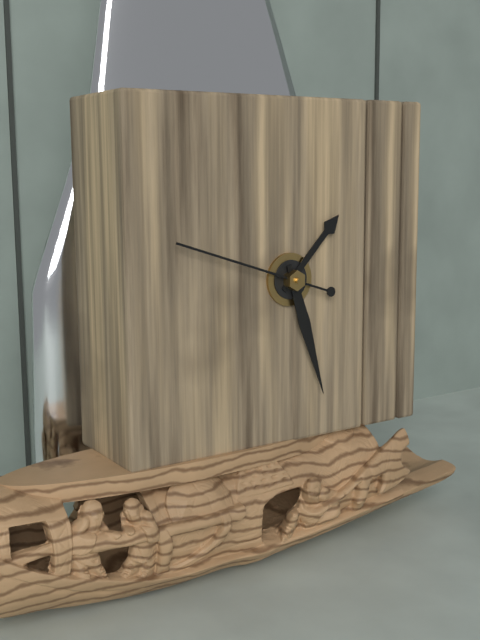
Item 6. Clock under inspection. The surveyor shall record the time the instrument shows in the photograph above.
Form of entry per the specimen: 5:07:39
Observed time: 1:27:48
